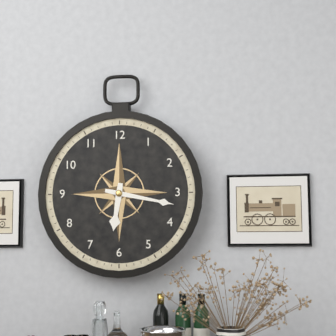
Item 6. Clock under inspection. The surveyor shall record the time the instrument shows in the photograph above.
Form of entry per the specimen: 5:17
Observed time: 6:17
